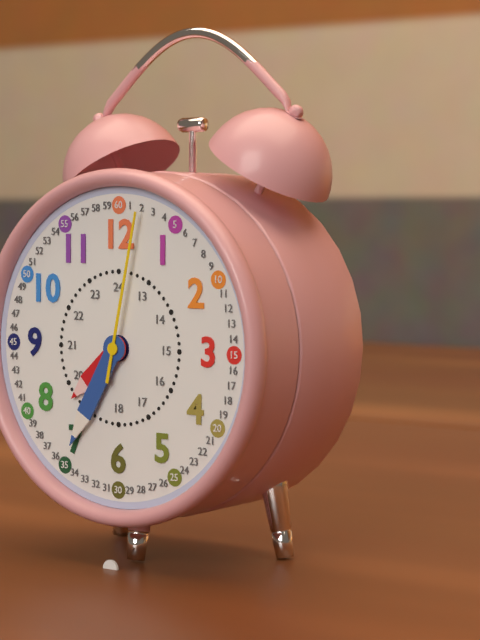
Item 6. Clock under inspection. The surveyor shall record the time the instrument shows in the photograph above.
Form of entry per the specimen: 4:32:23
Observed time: 7:35:02
